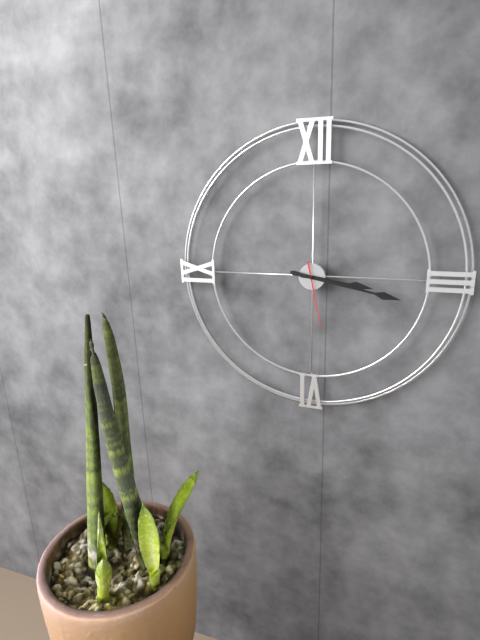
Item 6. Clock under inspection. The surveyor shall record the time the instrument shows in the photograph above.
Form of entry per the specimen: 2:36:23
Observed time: 3:17:28
